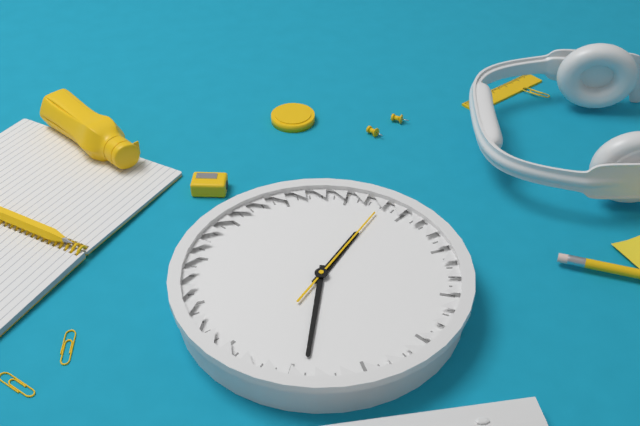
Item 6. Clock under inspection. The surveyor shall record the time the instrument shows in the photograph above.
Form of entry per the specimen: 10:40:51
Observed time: 1:34:08
